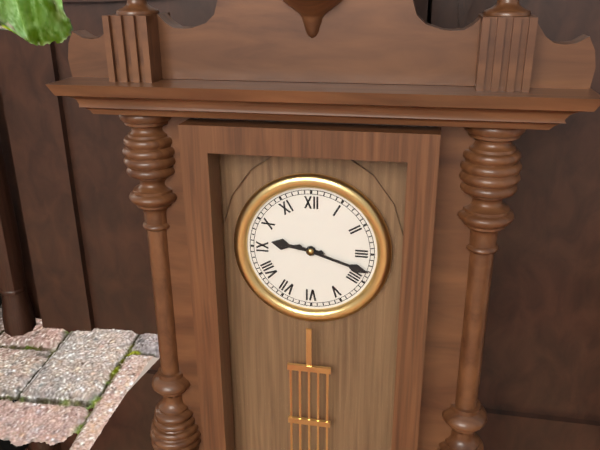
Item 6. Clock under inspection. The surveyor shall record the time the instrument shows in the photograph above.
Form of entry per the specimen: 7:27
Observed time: 9:18
